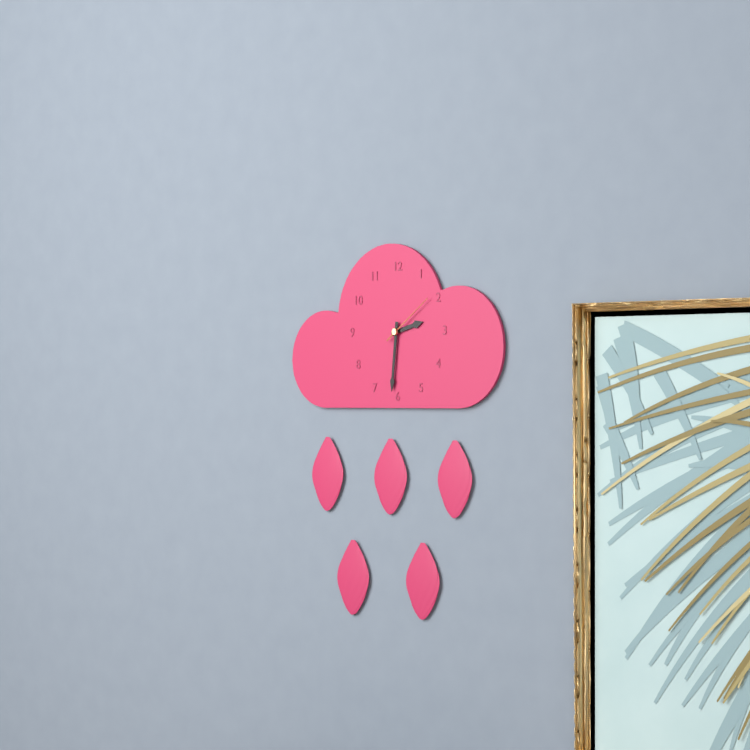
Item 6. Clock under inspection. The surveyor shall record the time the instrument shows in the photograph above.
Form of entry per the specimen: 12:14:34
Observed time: 2:31:09
